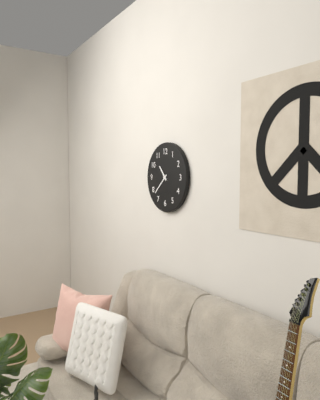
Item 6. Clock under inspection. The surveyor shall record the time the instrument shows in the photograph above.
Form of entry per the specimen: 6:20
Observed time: 10:38
